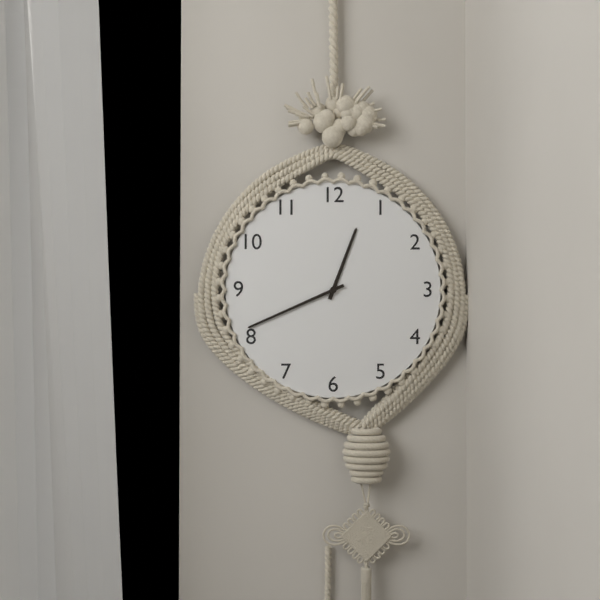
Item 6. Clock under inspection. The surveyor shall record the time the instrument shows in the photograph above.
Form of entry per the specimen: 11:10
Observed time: 12:41
